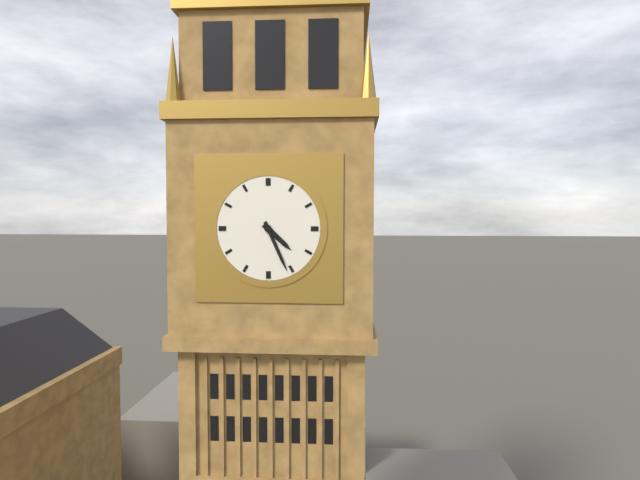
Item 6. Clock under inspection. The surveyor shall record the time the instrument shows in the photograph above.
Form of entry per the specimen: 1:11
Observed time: 4:26
